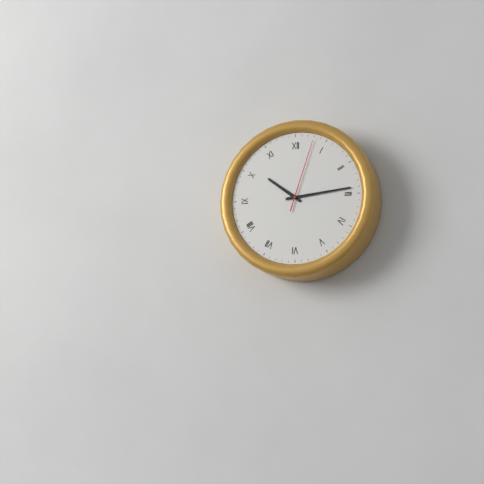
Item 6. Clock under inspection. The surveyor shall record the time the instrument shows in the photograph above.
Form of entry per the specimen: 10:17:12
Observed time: 10:14:03
